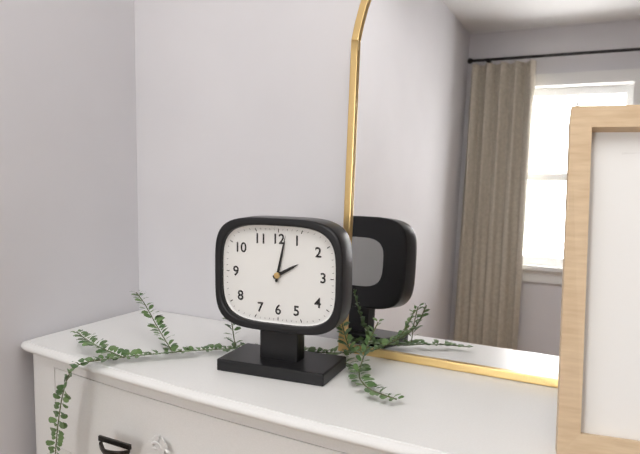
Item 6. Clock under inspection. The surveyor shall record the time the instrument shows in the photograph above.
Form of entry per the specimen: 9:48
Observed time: 2:02
